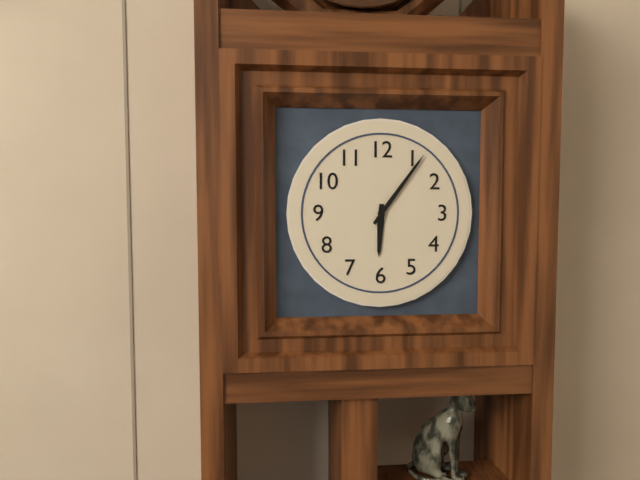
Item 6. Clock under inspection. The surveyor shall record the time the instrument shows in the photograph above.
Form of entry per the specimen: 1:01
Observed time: 6:06
